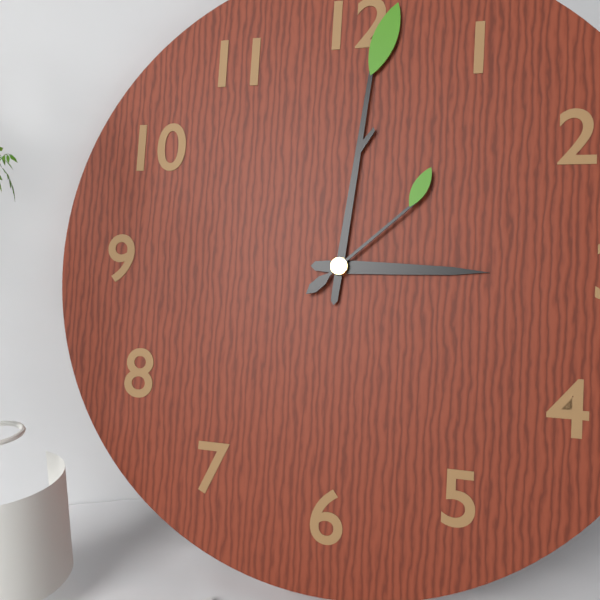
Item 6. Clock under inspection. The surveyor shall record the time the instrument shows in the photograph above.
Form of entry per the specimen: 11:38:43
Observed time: 3:01:08
